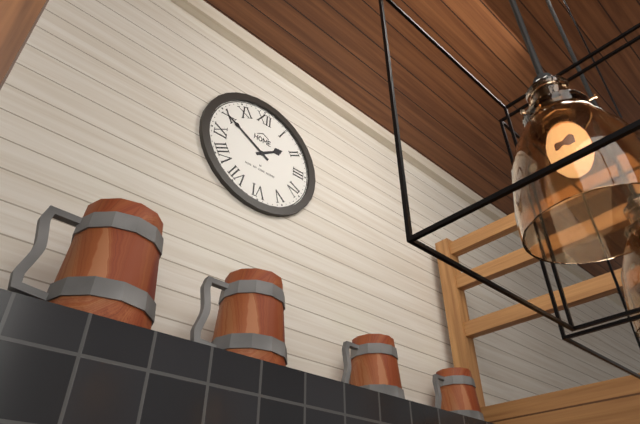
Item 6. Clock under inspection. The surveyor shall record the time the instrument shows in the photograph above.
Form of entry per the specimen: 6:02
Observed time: 1:50
